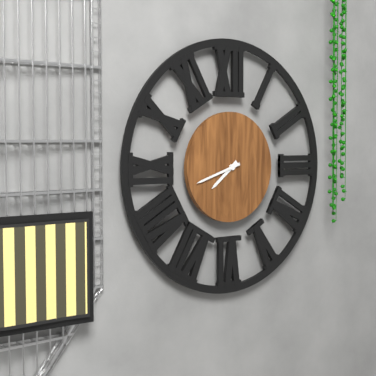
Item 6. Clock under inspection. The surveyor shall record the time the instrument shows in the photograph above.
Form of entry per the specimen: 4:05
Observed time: 7:42
